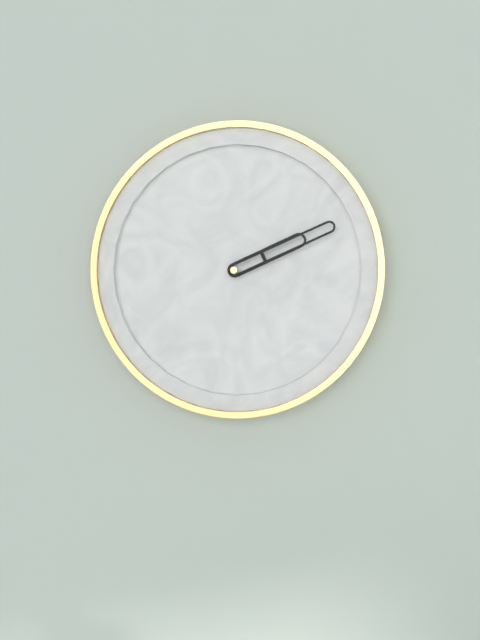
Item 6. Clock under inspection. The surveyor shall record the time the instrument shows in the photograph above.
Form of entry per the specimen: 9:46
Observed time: 2:11
